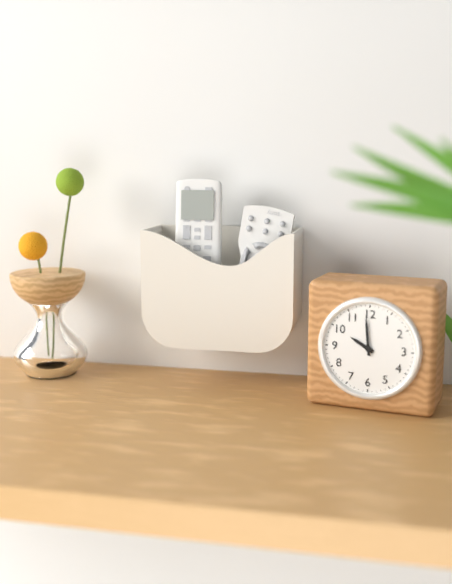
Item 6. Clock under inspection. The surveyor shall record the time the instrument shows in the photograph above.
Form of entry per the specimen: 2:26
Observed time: 9:59
